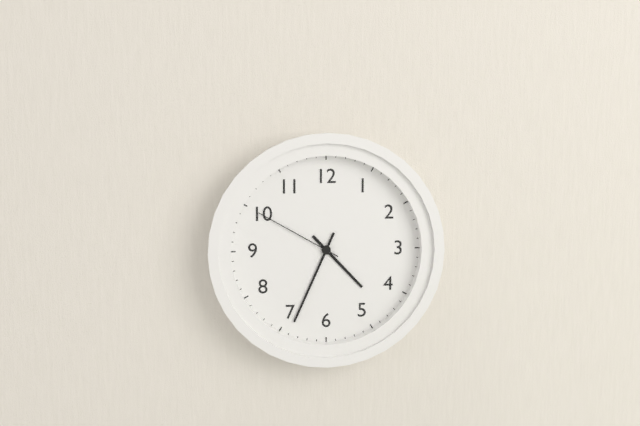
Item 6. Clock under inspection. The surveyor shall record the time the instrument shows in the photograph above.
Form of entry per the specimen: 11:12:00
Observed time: 4:34:50
